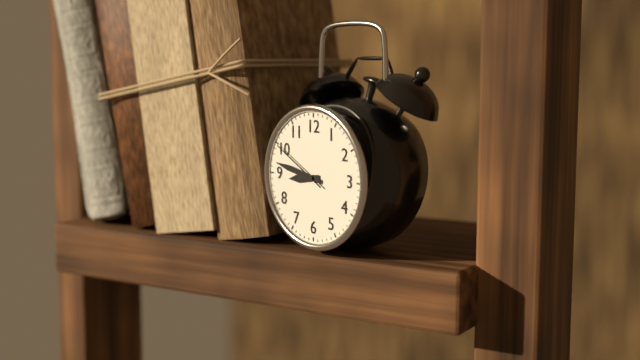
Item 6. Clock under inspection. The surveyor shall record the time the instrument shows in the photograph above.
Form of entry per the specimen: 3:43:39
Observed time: 8:47:50
